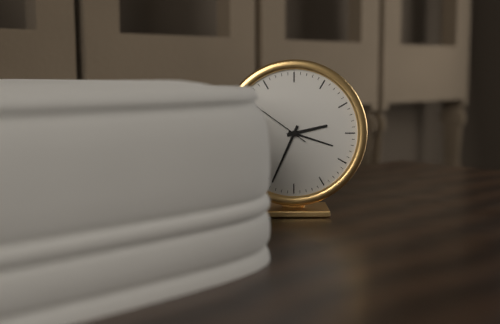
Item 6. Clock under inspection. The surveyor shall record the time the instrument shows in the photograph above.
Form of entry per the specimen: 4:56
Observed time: 2:34
